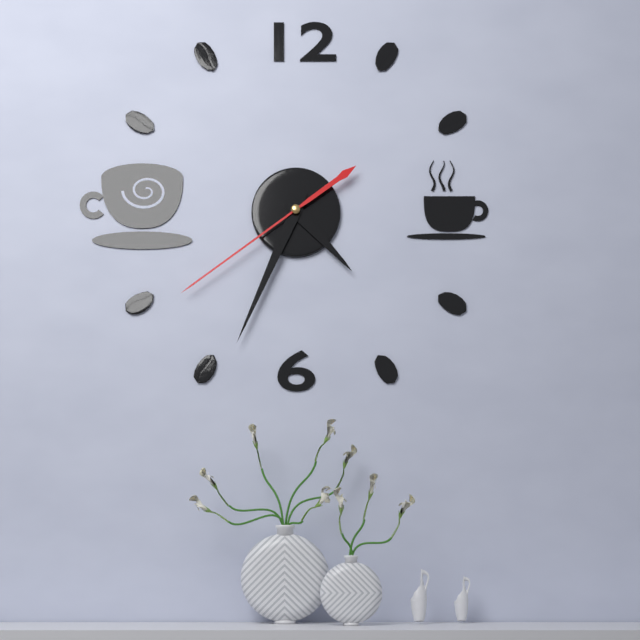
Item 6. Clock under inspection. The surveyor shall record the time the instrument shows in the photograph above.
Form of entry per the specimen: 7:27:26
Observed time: 4:34:39
